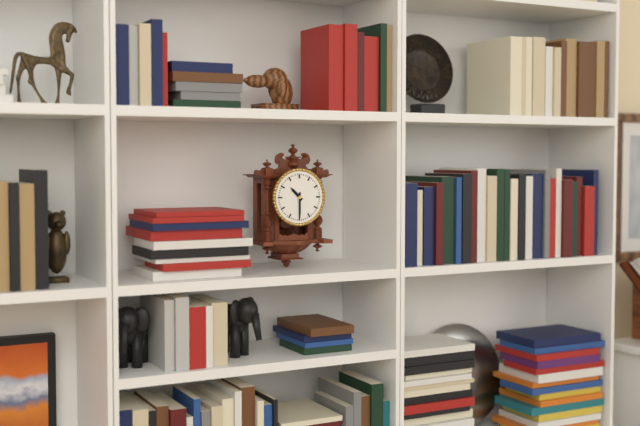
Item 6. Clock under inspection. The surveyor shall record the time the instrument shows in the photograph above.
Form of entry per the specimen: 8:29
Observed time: 10:30
